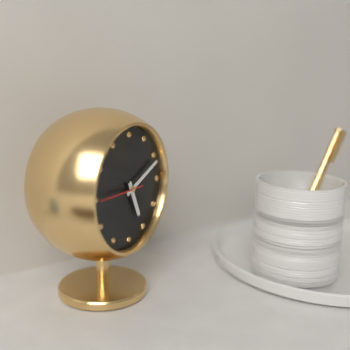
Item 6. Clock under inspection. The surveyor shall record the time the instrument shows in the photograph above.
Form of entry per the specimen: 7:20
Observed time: 5:11
